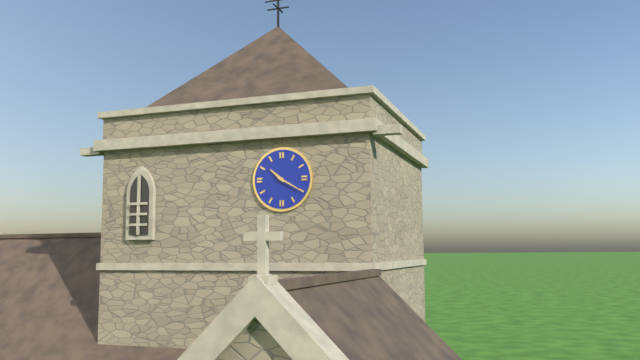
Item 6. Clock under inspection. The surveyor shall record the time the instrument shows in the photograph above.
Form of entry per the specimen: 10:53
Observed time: 10:20
